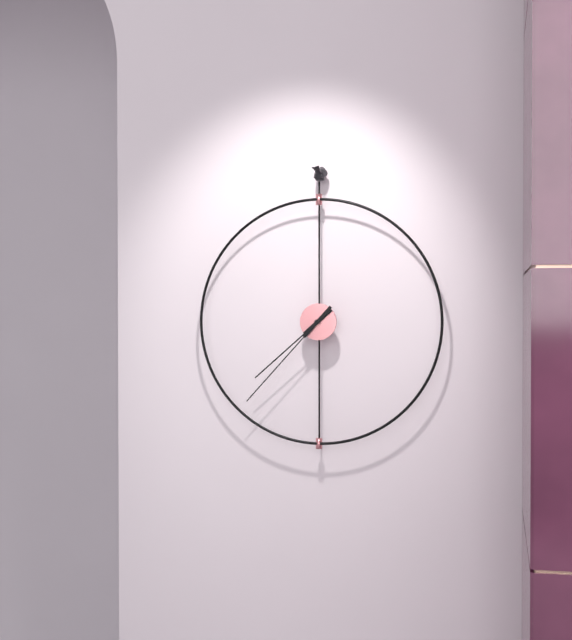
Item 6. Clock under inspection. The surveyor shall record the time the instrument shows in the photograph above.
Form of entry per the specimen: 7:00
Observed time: 7:37
